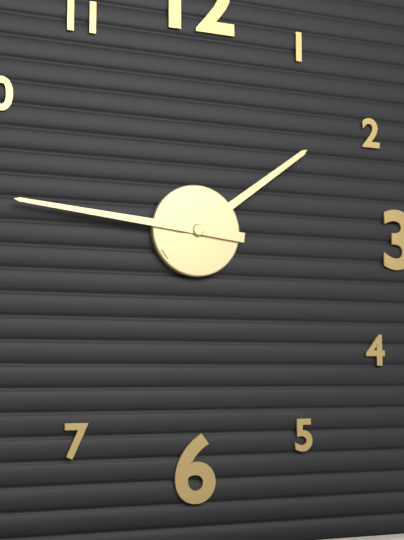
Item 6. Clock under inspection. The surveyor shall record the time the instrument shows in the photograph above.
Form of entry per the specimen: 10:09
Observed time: 1:46
